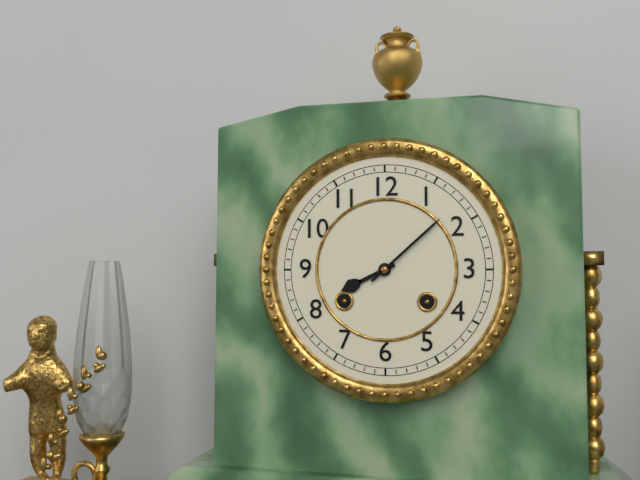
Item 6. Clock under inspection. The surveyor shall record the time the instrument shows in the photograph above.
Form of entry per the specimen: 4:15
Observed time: 8:08
